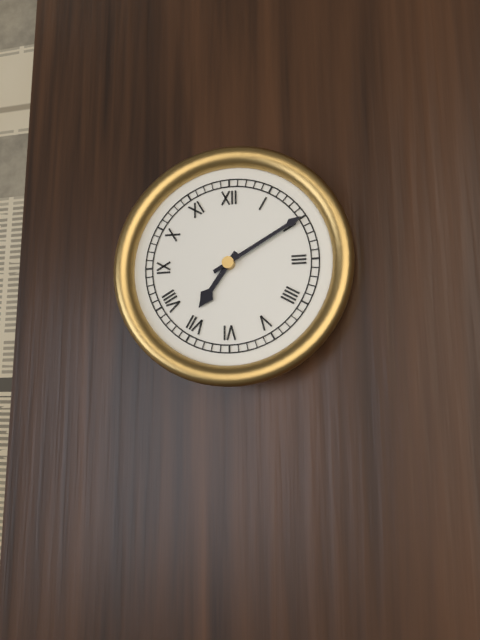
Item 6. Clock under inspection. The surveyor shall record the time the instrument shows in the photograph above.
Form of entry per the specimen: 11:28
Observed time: 7:10
